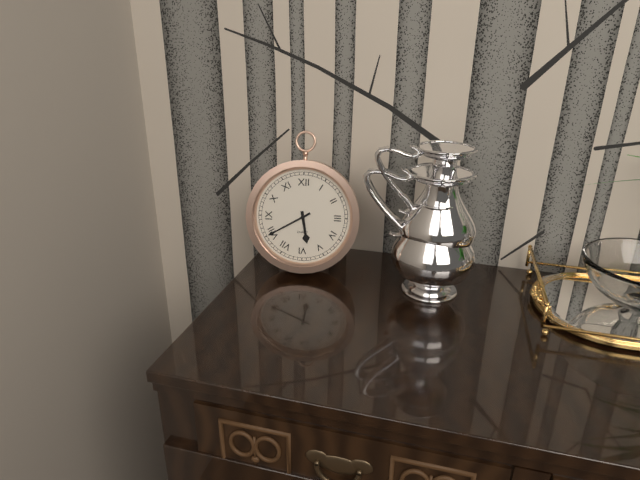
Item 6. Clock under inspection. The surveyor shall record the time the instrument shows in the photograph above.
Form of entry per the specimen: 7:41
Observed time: 5:40
